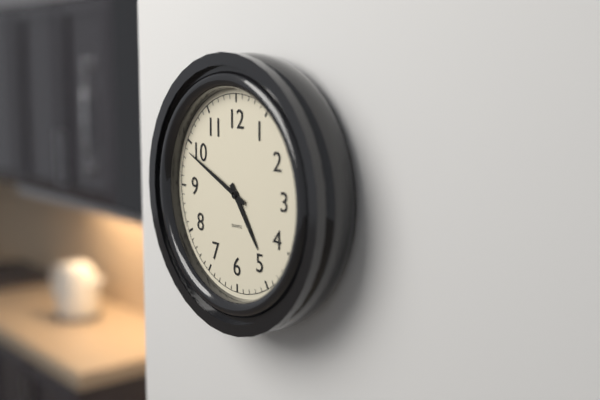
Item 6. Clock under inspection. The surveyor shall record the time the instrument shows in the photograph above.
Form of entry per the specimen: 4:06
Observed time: 4:49
